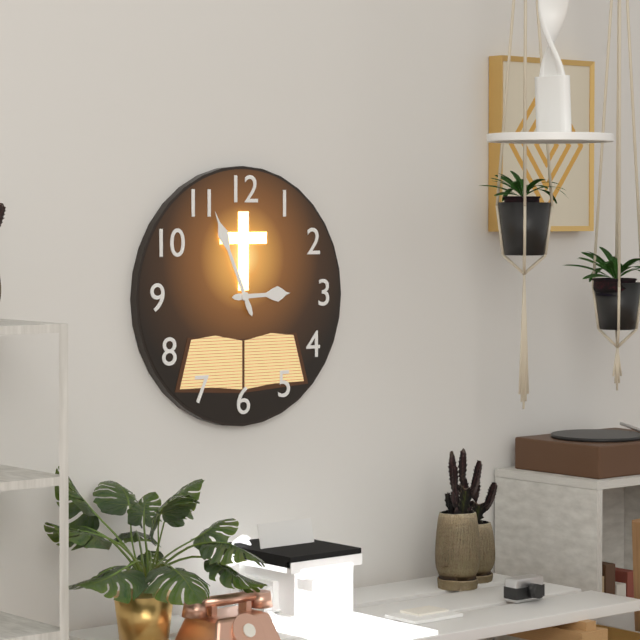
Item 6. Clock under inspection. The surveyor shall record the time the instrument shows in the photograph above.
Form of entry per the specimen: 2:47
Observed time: 2:56
